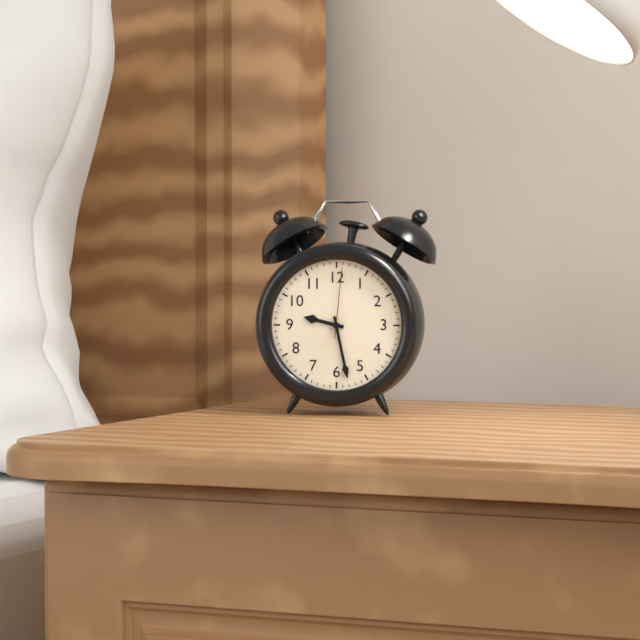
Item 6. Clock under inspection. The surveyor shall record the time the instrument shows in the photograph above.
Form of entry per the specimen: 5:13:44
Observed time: 9:28:01
